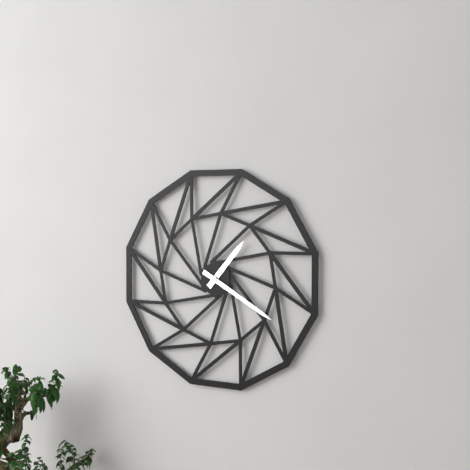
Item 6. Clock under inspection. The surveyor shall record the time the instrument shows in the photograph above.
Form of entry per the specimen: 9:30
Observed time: 1:20
